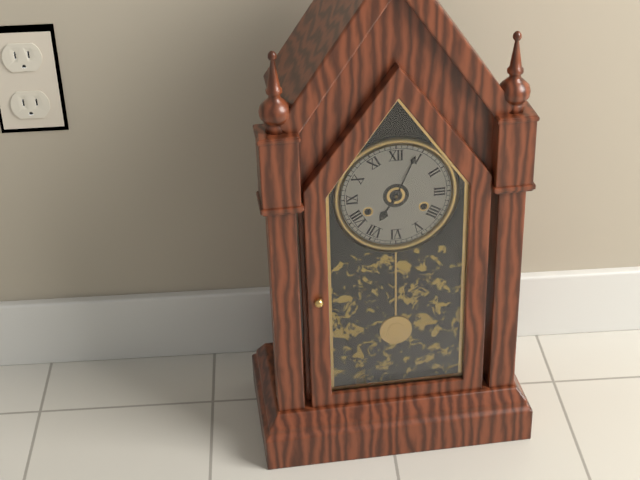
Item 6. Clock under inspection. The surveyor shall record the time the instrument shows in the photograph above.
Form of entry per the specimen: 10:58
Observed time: 7:04
